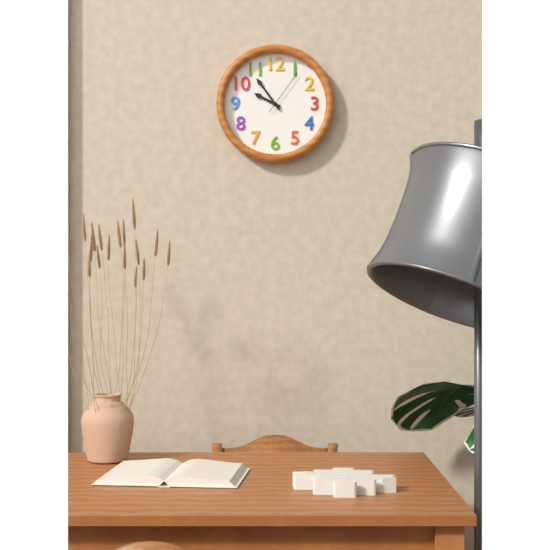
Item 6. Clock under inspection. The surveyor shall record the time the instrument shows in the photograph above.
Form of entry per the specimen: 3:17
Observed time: 9:54
